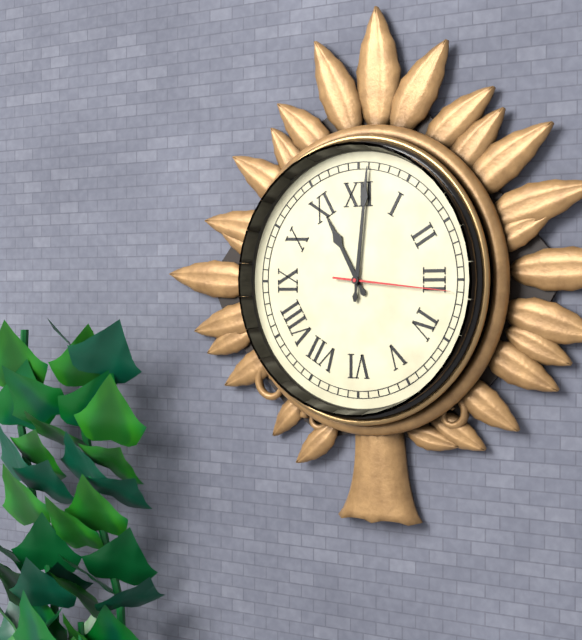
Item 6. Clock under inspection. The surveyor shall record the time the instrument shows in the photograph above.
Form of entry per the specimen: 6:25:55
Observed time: 11:01:16
